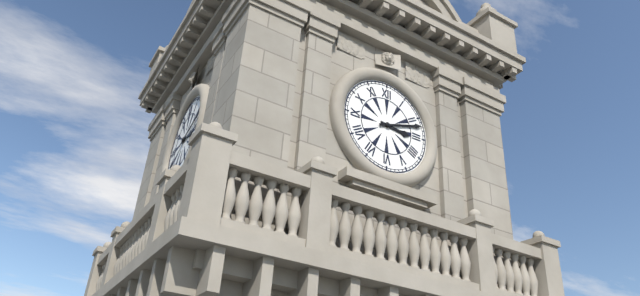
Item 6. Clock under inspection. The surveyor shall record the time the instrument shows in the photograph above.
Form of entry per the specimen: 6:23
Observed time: 3:12
